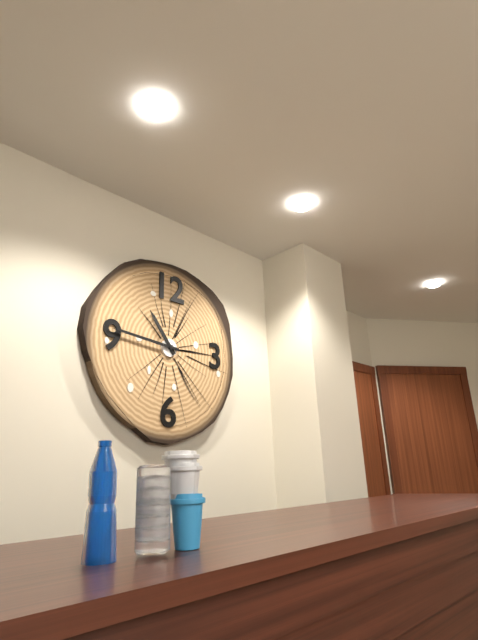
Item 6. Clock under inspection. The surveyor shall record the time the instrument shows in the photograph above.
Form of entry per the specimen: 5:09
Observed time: 10:46
